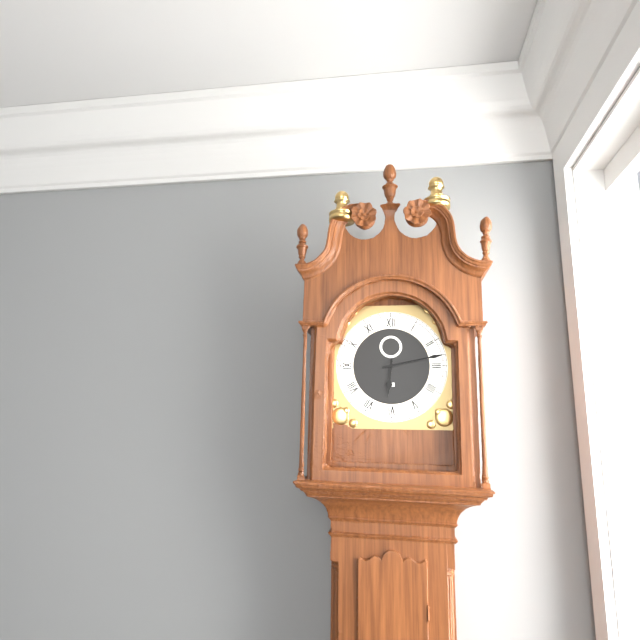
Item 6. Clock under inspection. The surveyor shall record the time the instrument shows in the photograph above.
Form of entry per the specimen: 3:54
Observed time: 6:13
